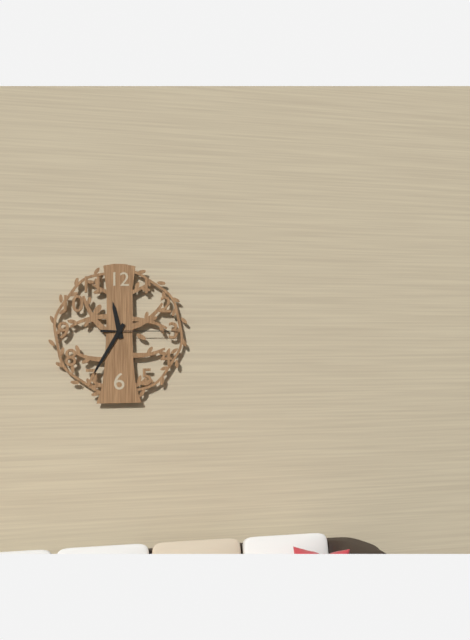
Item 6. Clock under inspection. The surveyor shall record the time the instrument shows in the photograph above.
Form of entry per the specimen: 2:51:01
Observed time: 11:35:15
